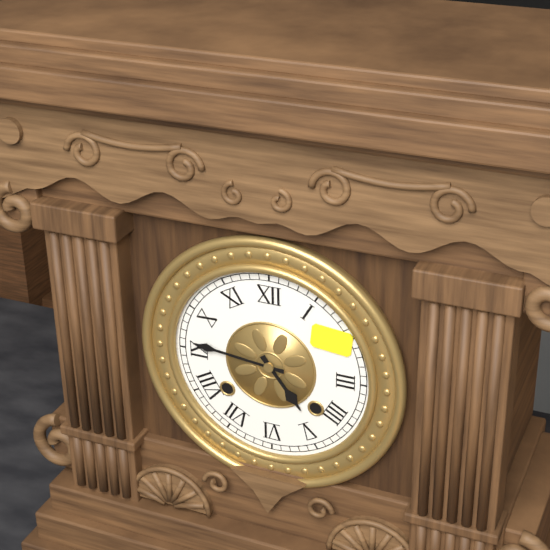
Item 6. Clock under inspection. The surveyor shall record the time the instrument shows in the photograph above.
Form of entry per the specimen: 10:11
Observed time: 4:46
